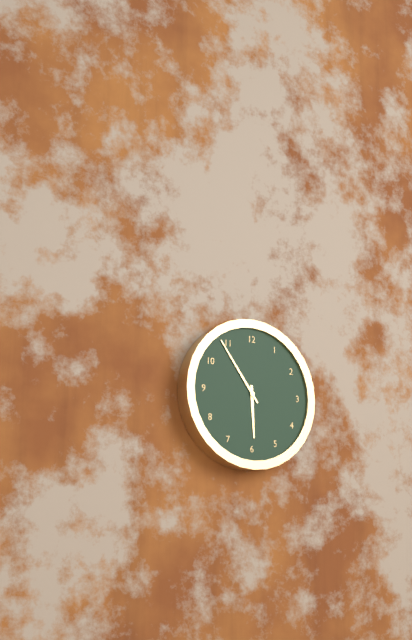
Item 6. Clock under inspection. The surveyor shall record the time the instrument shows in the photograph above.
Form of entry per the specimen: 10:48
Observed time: 5:54
